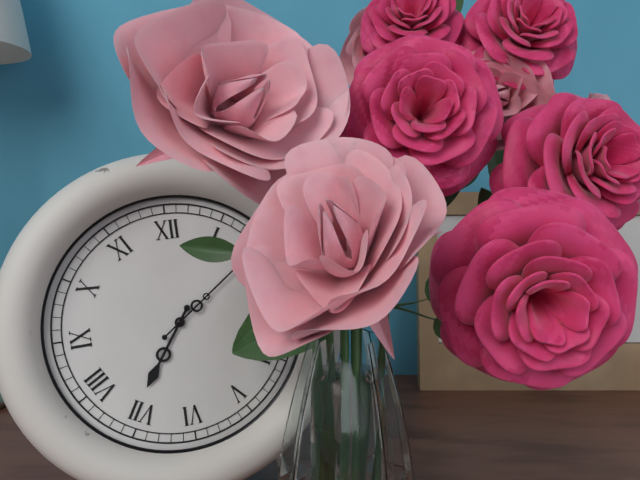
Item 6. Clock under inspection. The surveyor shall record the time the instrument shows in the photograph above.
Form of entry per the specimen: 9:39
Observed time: 7:09
